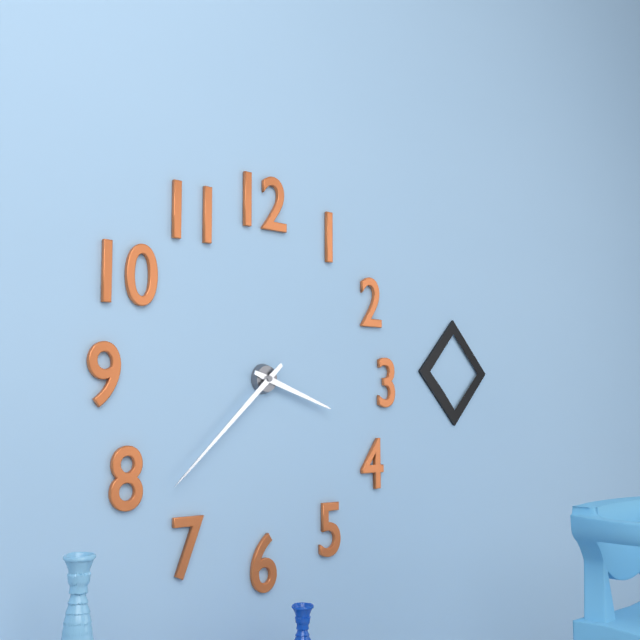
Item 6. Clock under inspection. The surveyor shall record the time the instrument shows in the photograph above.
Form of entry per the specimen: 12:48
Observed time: 3:38
